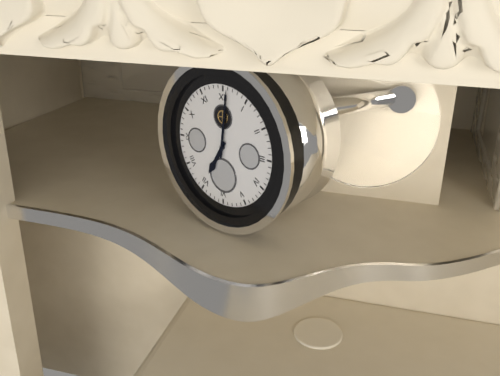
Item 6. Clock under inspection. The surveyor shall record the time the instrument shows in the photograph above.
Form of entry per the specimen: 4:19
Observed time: 7:01
